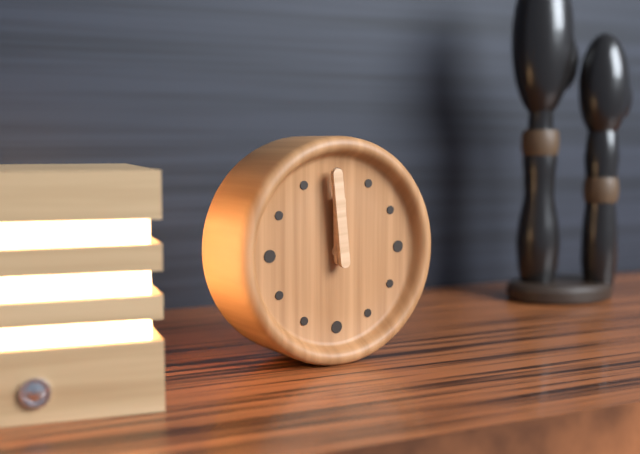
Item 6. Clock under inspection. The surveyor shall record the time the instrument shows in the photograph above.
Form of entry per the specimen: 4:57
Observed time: 11:59
